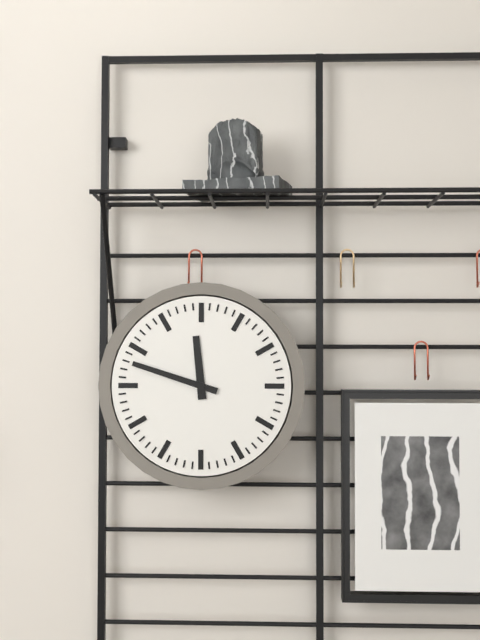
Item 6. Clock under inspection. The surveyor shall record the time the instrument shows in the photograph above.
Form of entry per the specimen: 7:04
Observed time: 11:48
